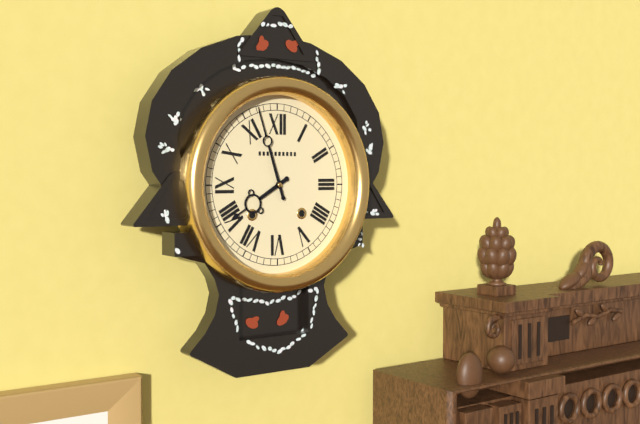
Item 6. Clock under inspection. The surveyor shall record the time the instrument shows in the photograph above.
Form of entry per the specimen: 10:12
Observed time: 7:57
